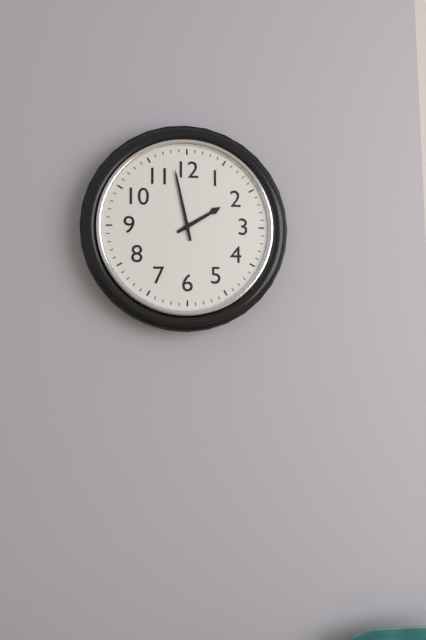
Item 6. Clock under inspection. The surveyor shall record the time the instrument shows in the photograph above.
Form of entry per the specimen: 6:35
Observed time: 1:58
